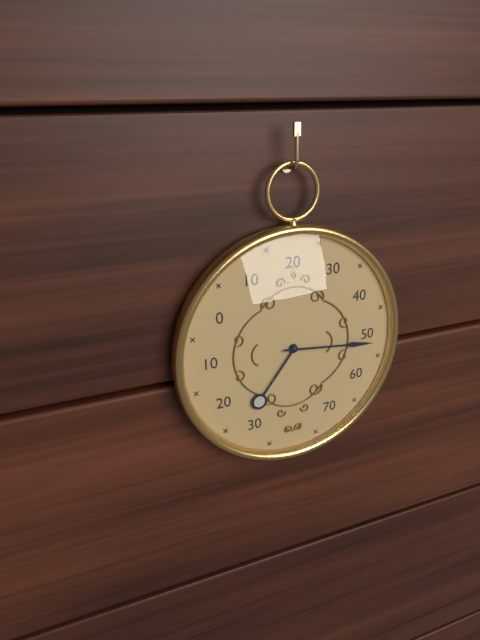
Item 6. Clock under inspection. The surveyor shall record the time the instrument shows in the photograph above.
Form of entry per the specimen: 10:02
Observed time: 7:16
